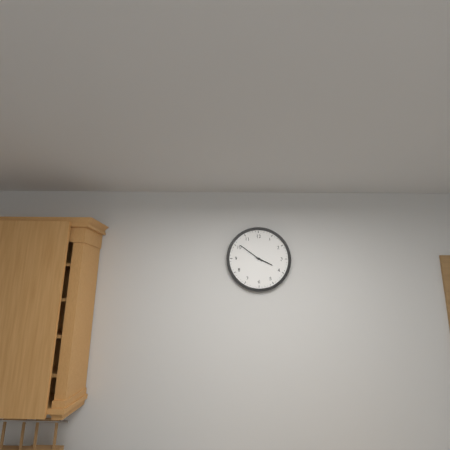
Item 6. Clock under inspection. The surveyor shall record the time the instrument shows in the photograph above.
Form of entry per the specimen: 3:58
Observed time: 3:51
